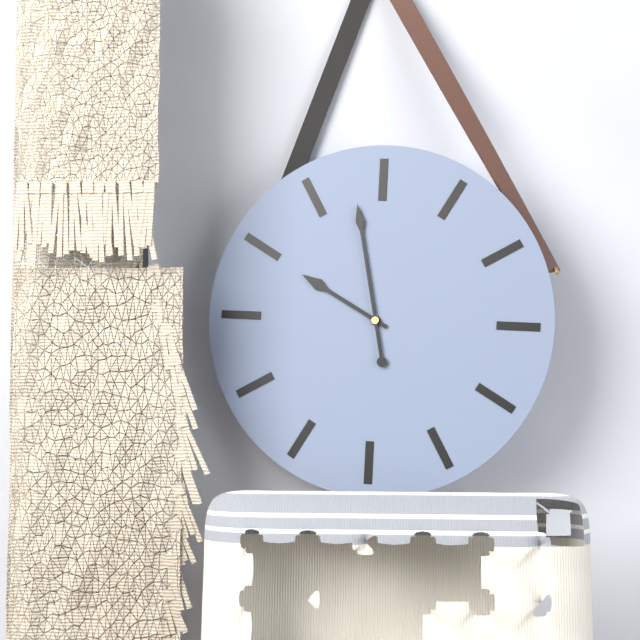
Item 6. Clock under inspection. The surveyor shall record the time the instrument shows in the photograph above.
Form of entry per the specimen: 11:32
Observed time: 9:58
